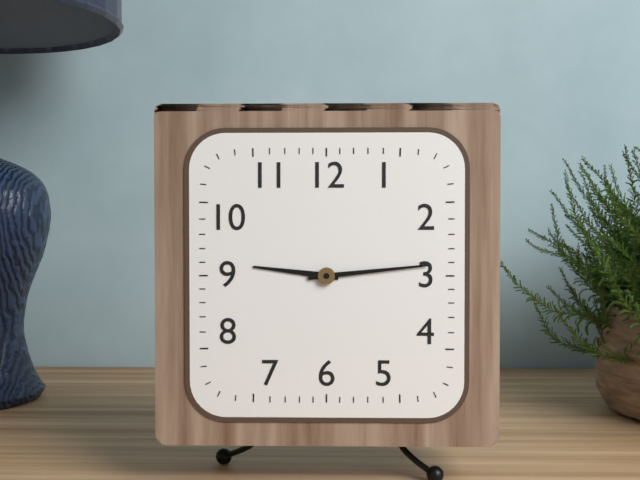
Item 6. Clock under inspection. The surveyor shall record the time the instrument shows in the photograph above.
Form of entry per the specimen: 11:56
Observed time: 9:14
